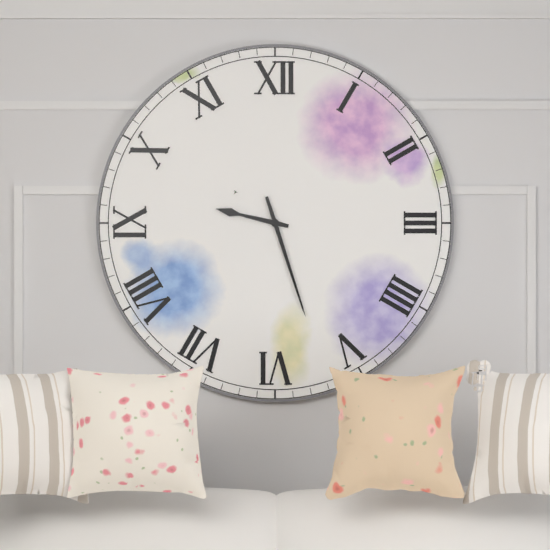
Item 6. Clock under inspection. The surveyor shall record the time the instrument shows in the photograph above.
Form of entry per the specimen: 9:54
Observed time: 9:27
